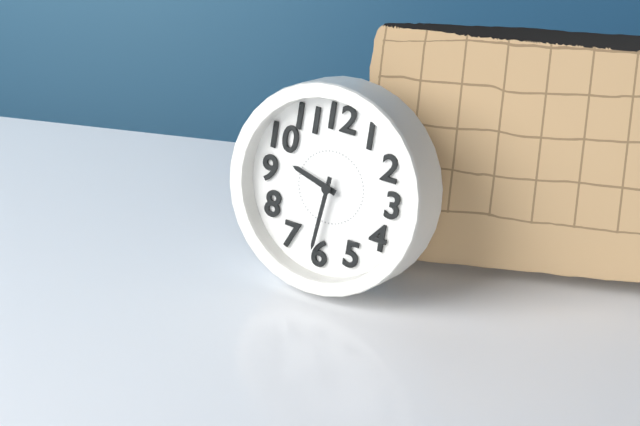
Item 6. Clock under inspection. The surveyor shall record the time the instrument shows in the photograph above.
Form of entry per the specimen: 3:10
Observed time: 9:31
